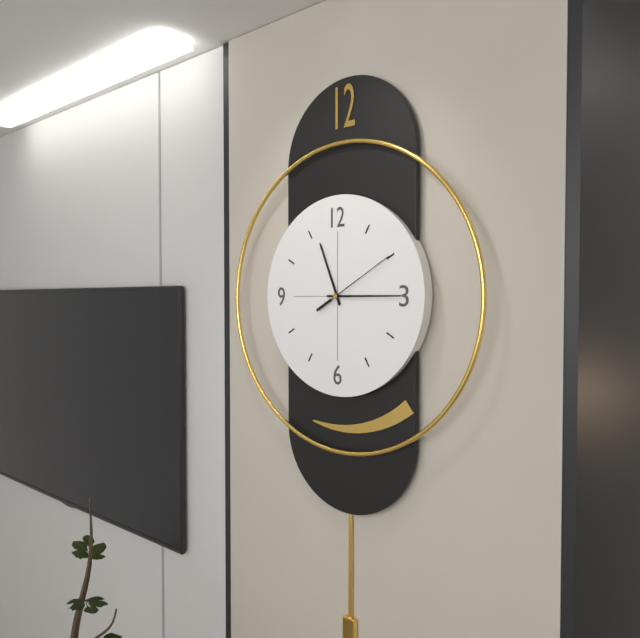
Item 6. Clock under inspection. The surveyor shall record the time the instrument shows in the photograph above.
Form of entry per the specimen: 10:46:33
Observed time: 11:15:10
